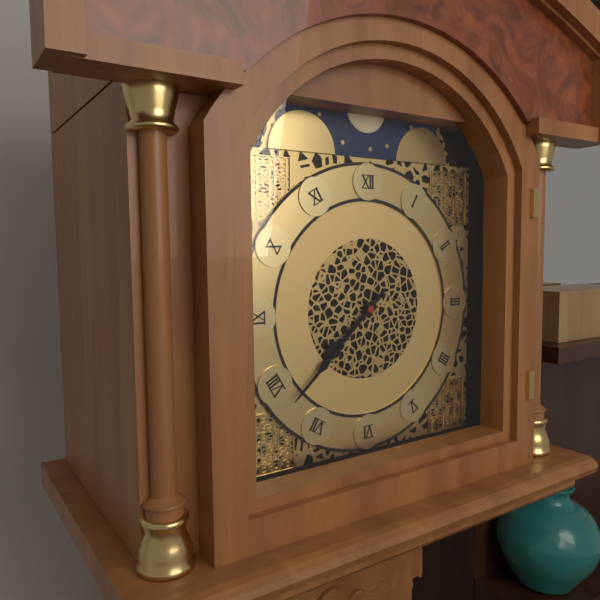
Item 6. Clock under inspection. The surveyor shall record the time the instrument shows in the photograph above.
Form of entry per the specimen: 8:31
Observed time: 7:38
